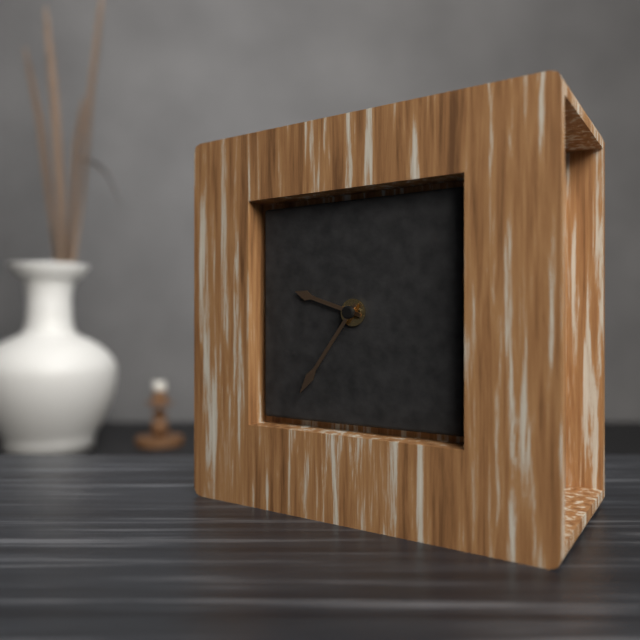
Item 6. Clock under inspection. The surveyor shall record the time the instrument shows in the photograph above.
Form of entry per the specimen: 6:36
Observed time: 9:36
